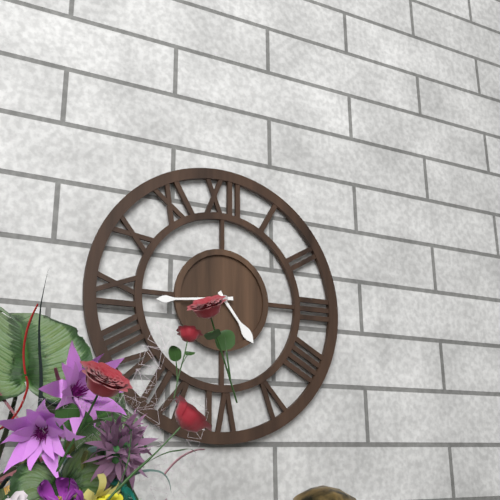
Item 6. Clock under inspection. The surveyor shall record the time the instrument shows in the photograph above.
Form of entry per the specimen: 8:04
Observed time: 4:44
